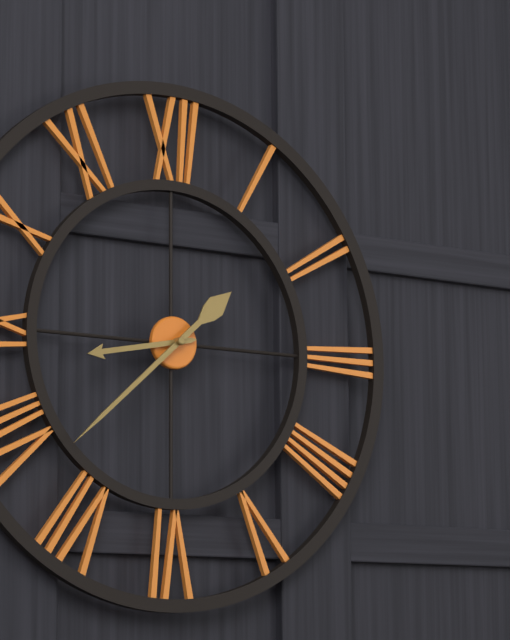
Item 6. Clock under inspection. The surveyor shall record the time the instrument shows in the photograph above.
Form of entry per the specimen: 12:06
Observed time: 8:38
